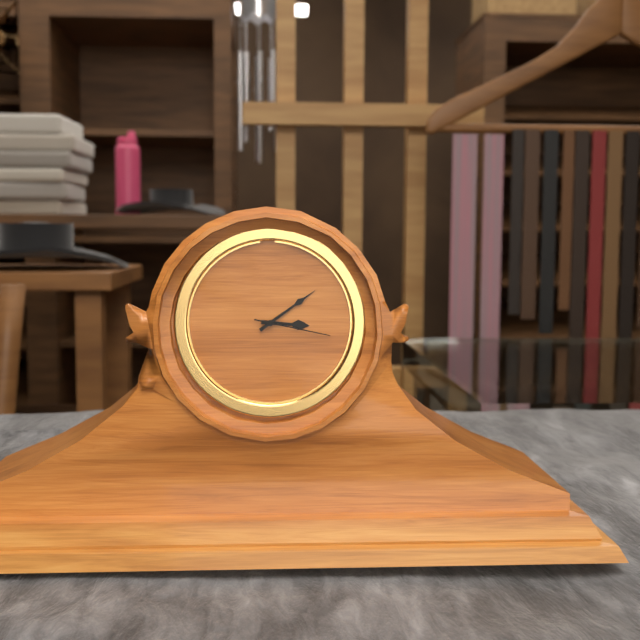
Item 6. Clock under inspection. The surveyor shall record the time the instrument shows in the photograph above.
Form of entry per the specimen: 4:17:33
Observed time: 3:09:17
